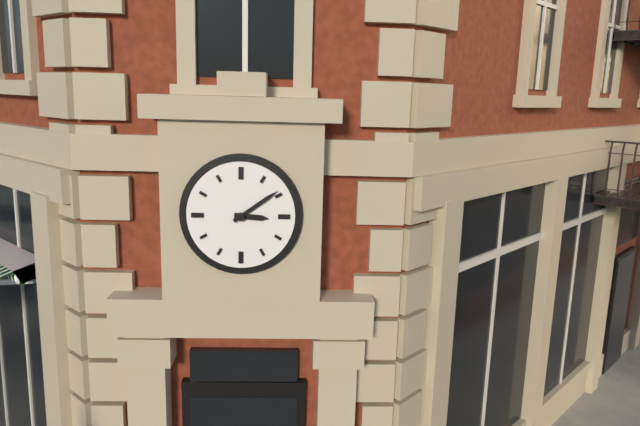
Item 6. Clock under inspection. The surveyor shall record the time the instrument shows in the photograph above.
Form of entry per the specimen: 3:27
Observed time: 3:09
